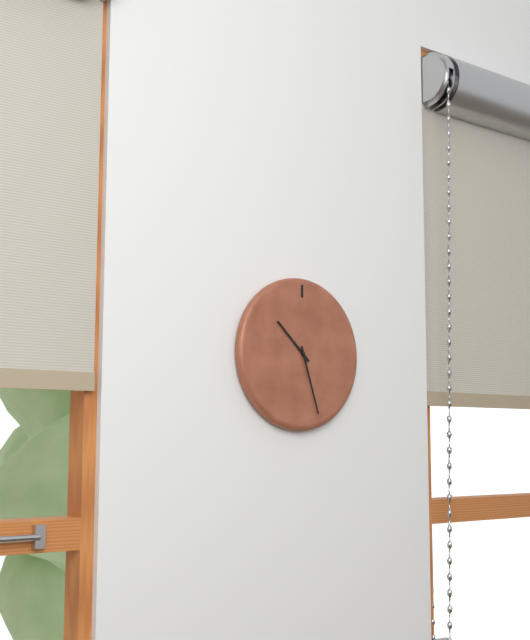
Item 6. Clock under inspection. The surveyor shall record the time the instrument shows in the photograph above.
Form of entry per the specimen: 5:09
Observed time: 10:27
